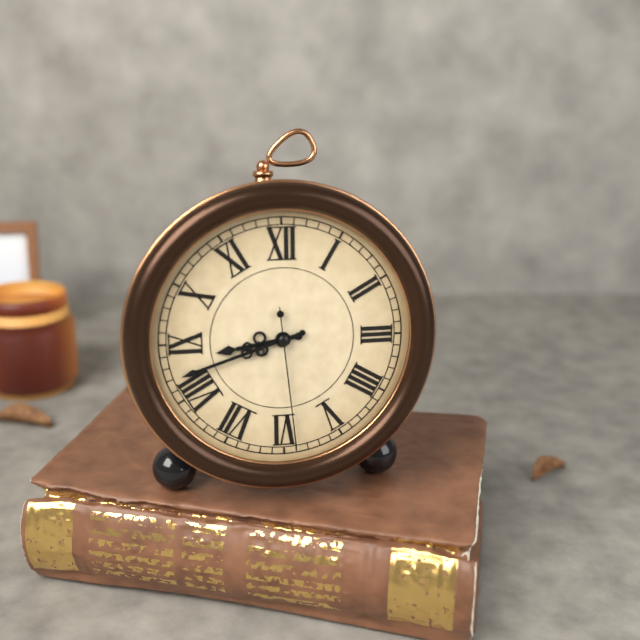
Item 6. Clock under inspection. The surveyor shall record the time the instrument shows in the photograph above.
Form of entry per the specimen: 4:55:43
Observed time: 8:42:29
